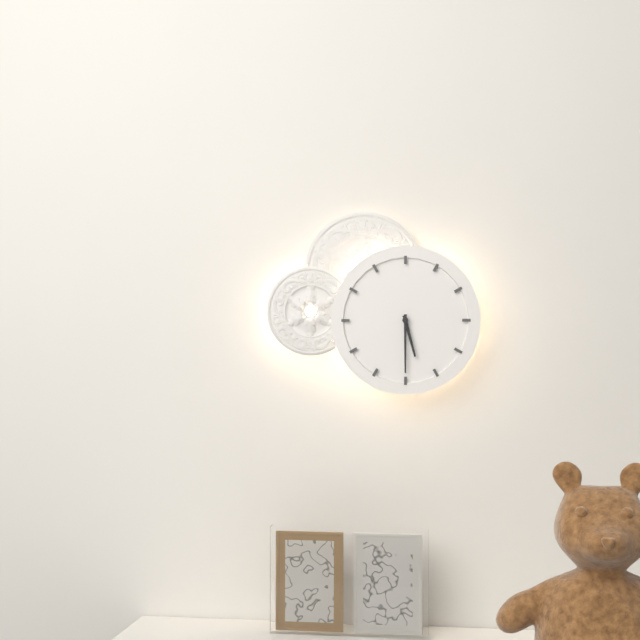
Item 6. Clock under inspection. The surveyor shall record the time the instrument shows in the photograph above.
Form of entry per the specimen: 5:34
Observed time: 5:30
